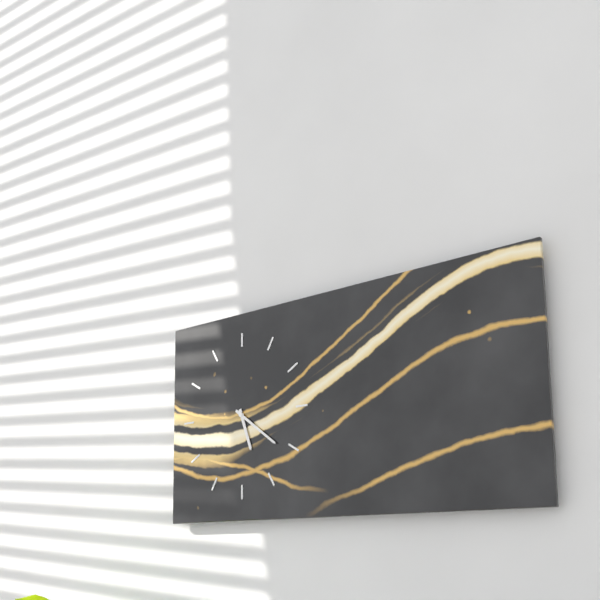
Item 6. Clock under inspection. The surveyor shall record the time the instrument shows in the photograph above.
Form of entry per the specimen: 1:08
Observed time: 5:21
